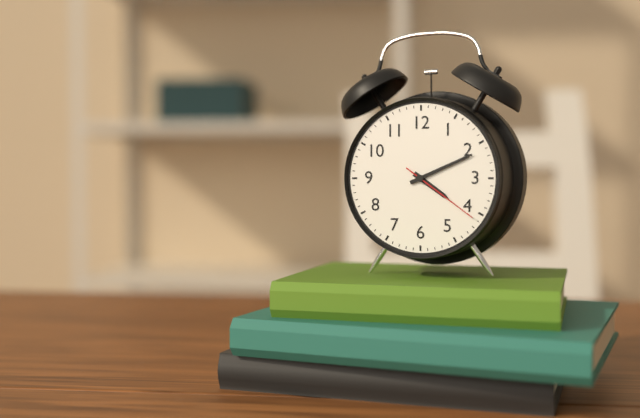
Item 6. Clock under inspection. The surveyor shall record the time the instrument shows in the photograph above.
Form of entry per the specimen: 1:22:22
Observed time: 4:11:21
